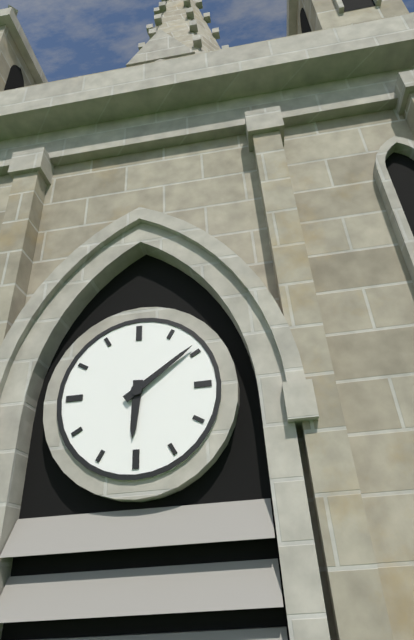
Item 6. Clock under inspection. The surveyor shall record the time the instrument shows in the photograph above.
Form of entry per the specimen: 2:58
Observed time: 6:09
